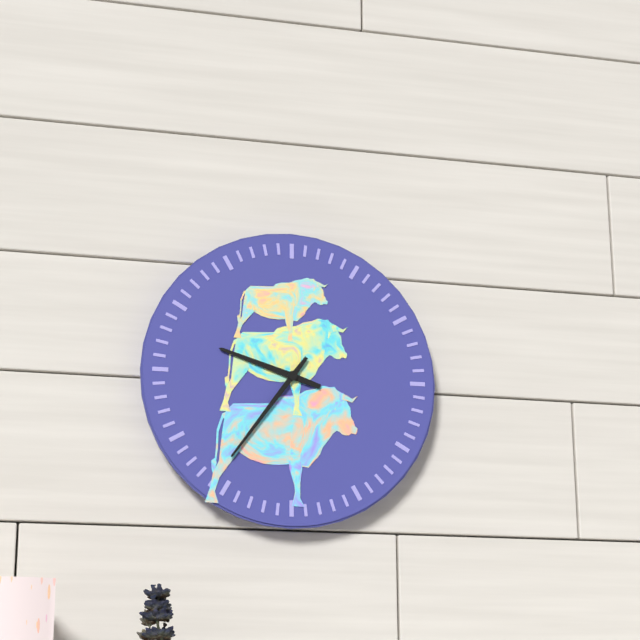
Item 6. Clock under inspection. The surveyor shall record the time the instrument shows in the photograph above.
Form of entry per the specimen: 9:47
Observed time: 9:36
